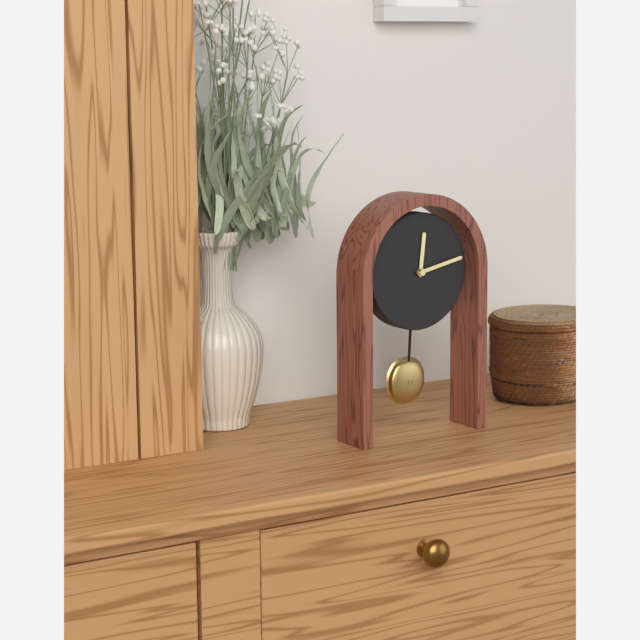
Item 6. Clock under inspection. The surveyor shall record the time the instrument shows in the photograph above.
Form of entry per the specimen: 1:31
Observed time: 12:13
